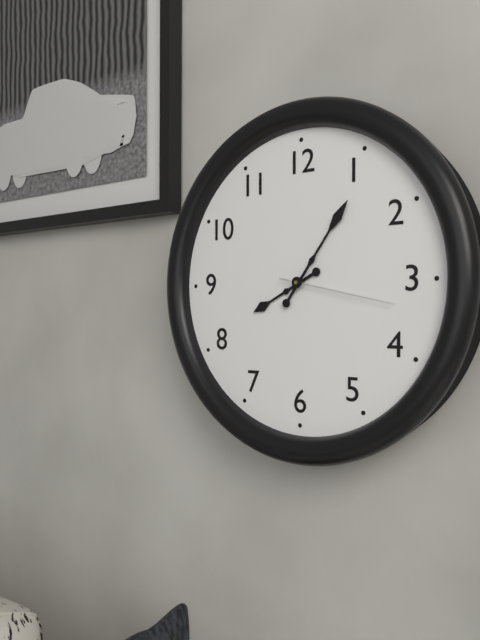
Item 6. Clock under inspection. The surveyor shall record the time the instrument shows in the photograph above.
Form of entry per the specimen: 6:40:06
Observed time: 8:06:17
